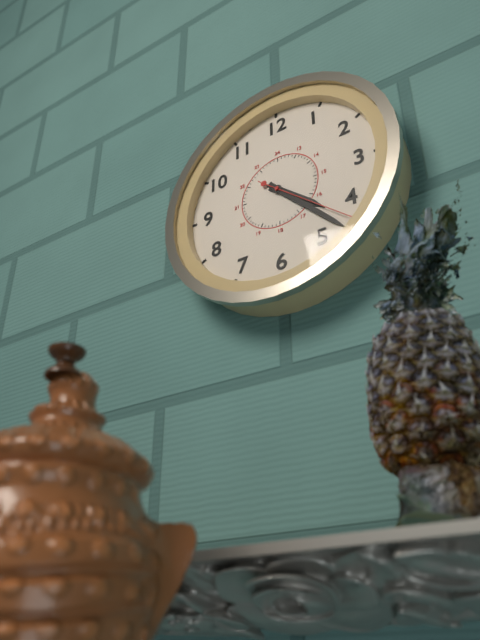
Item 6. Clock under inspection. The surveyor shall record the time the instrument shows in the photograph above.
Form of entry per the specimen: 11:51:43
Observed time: 4:23:22
